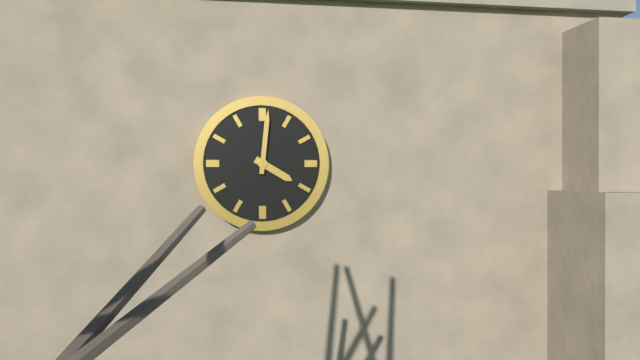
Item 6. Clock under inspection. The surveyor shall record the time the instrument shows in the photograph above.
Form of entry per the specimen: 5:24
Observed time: 4:01
